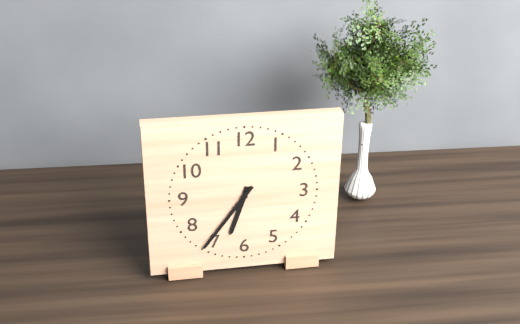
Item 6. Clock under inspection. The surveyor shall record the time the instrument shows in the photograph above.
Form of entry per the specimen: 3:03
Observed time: 6:36
